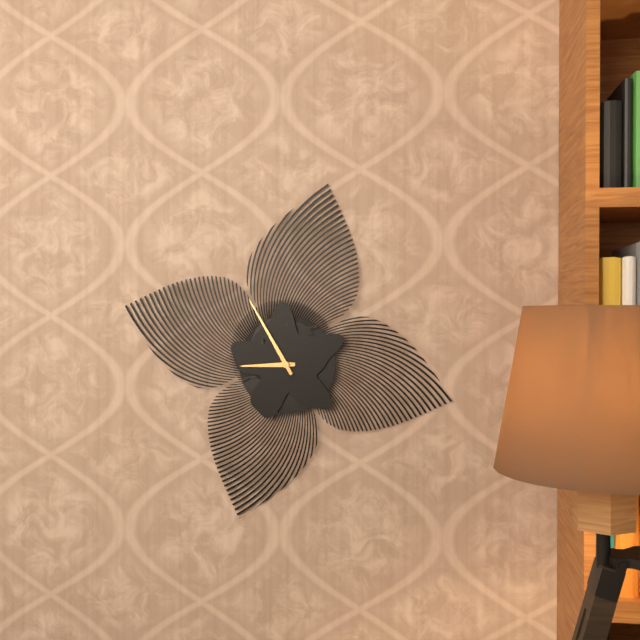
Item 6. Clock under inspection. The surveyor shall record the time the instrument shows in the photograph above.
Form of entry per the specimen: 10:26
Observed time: 8:55
